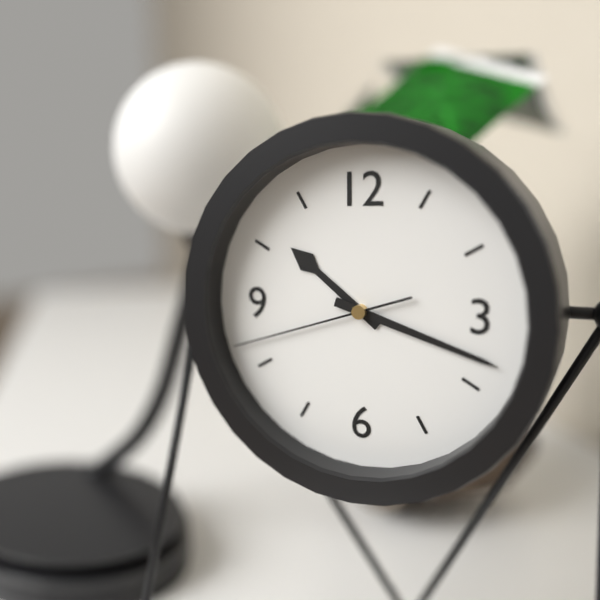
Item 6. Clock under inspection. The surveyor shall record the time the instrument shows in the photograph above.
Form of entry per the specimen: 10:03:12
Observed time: 10:18:42
